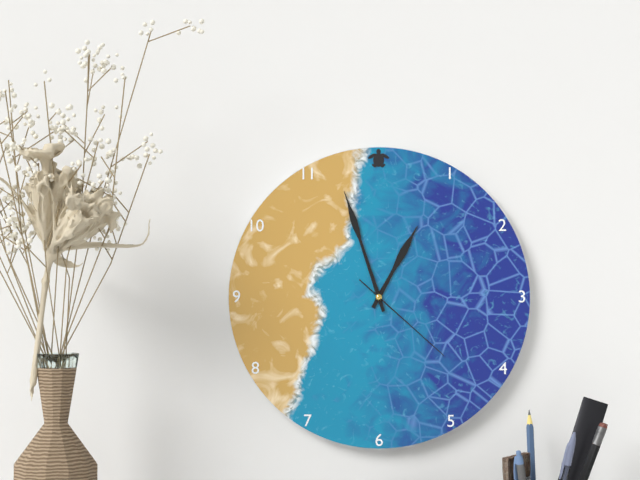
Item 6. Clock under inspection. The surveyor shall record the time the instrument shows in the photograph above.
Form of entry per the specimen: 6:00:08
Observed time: 12:57:22
